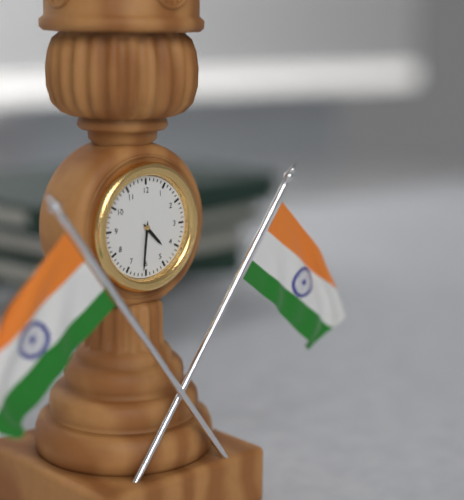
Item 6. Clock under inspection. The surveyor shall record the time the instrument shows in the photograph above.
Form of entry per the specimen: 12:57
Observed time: 4:31
